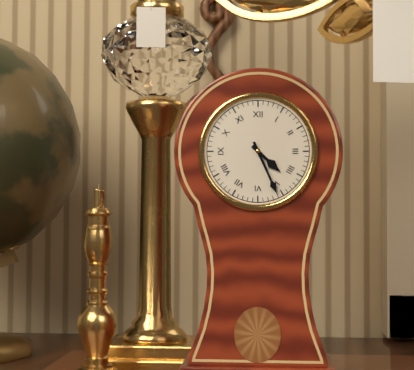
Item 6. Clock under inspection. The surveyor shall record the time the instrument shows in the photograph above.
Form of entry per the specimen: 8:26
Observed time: 4:26
